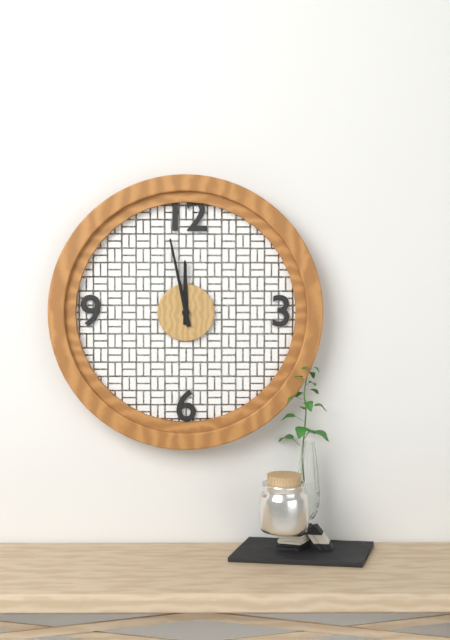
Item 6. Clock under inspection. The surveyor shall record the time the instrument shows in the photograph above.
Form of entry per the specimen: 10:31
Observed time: 11:58
